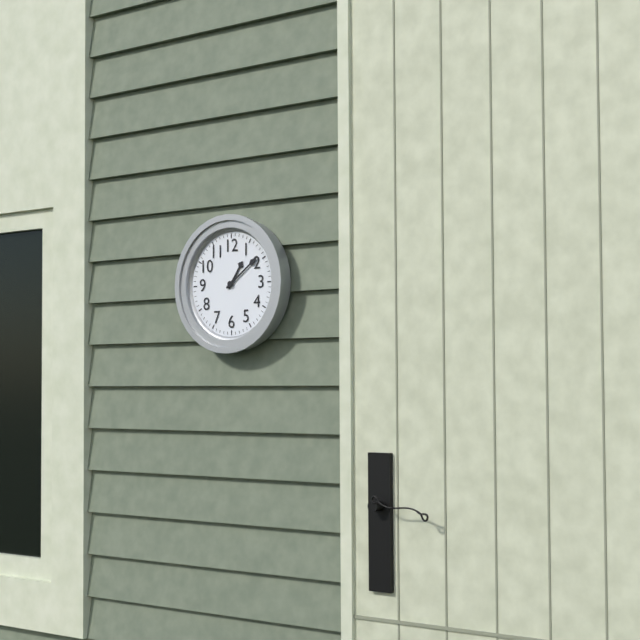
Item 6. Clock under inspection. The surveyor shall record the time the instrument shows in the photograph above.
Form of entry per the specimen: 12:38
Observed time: 1:09
